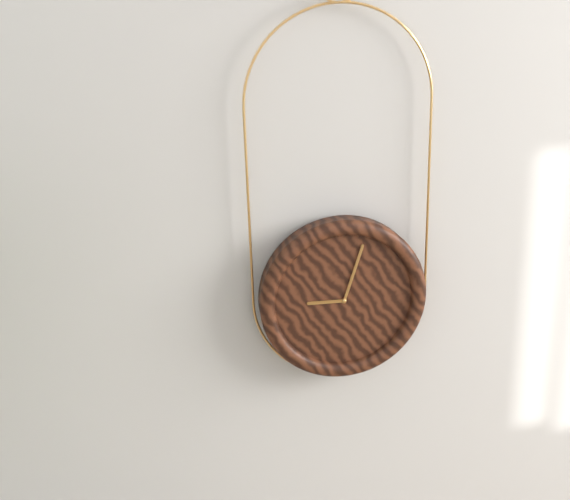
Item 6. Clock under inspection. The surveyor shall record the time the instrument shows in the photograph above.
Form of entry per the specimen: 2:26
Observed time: 9:03
